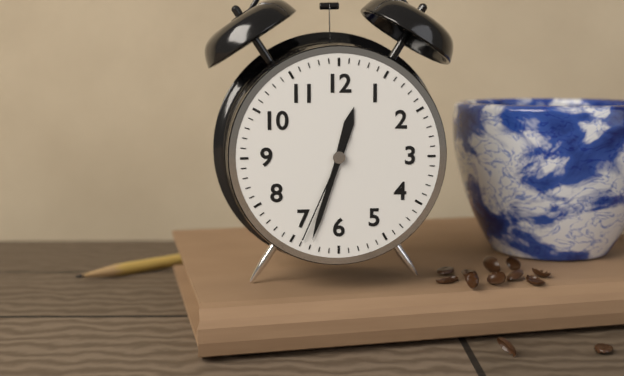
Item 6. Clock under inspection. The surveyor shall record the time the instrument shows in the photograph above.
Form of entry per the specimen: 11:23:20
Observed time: 12:33:34
